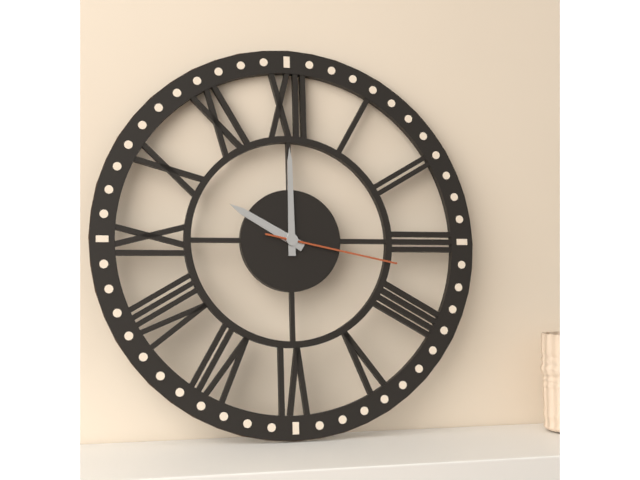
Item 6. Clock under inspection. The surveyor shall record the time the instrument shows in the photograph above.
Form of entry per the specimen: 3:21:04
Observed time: 10:00:17
